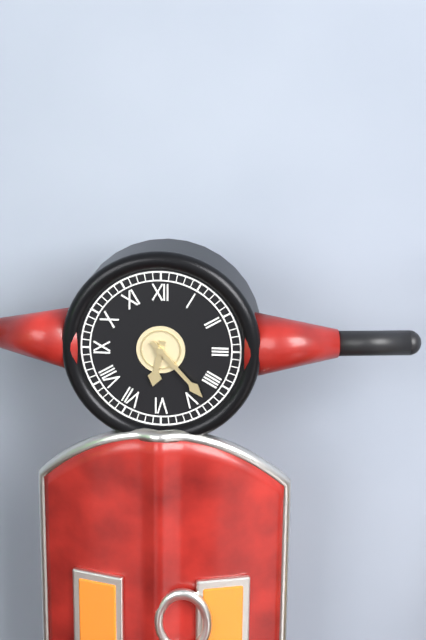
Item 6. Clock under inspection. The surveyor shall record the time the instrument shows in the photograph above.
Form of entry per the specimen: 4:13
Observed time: 6:23
